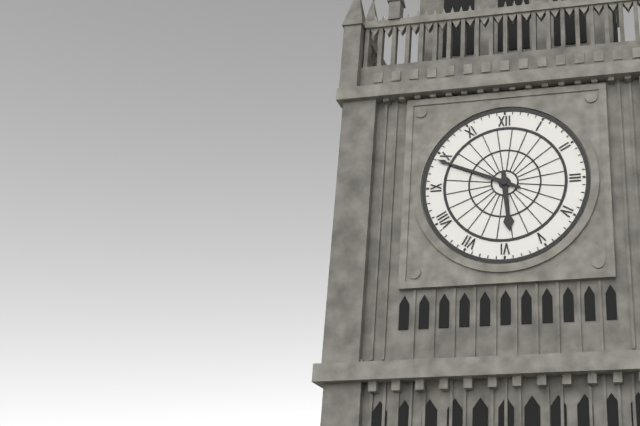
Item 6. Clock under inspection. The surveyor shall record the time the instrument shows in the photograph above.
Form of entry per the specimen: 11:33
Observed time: 5:49
